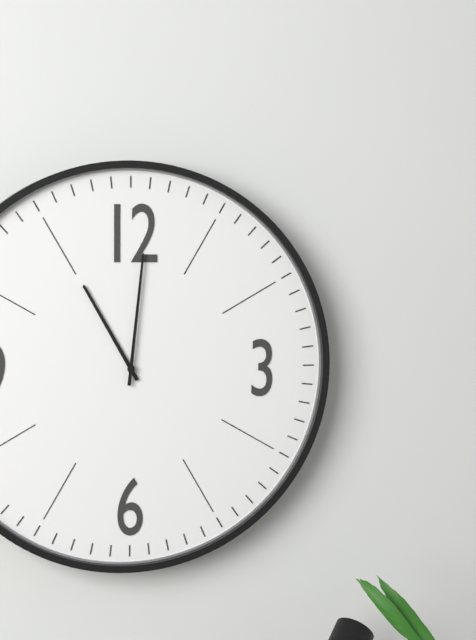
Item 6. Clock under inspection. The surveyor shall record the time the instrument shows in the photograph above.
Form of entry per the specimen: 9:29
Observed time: 11:01
